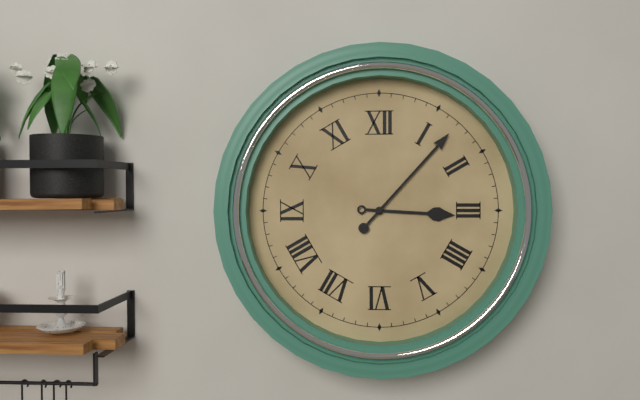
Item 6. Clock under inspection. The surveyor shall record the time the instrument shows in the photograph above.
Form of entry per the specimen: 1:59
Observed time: 3:07
